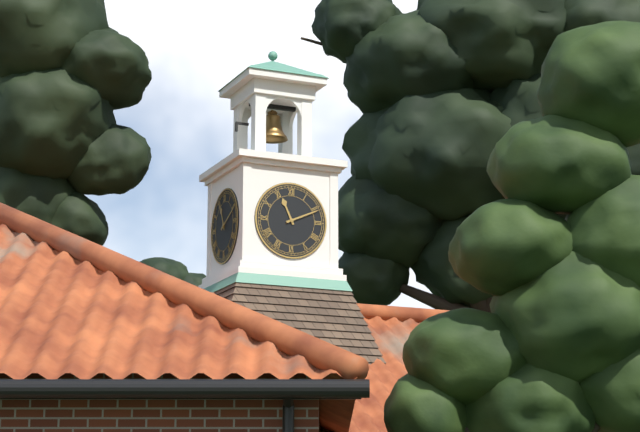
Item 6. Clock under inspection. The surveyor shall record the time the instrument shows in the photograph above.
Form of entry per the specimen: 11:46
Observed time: 11:11
